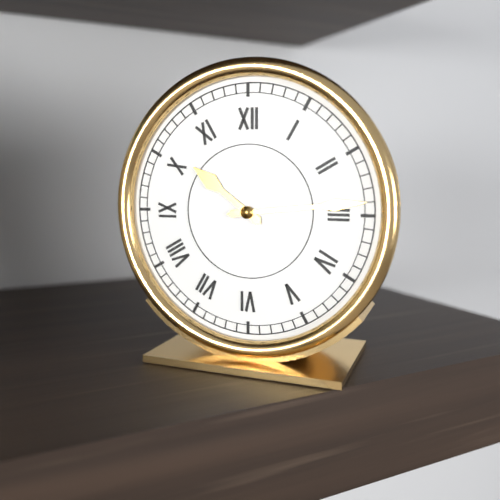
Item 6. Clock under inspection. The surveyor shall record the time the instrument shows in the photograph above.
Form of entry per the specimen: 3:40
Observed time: 10:14
